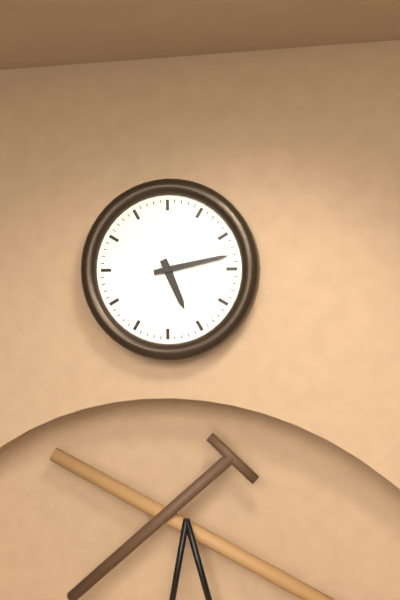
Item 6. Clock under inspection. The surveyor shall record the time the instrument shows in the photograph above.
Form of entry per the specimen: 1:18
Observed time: 5:13
